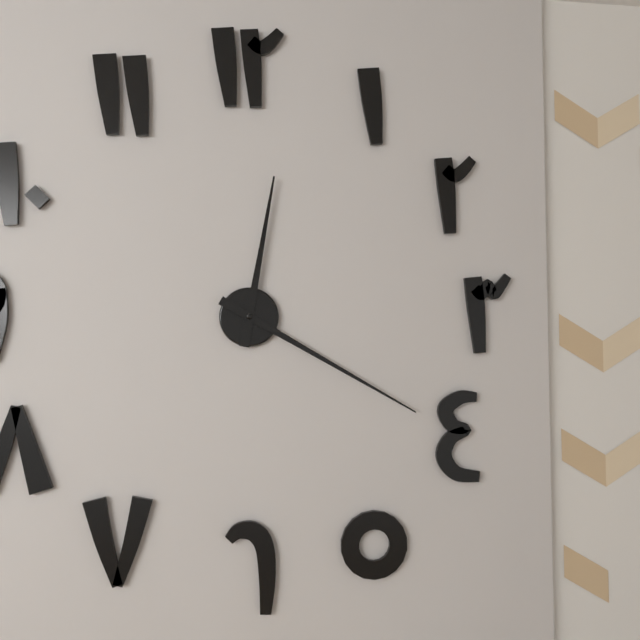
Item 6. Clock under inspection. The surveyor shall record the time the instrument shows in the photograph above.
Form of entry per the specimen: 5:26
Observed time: 12:20
